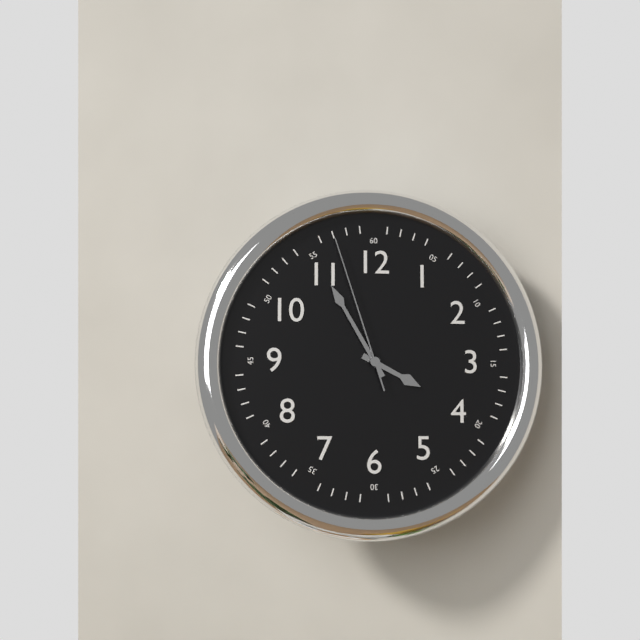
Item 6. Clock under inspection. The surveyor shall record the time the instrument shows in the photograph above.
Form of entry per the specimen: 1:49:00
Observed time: 3:55:57
